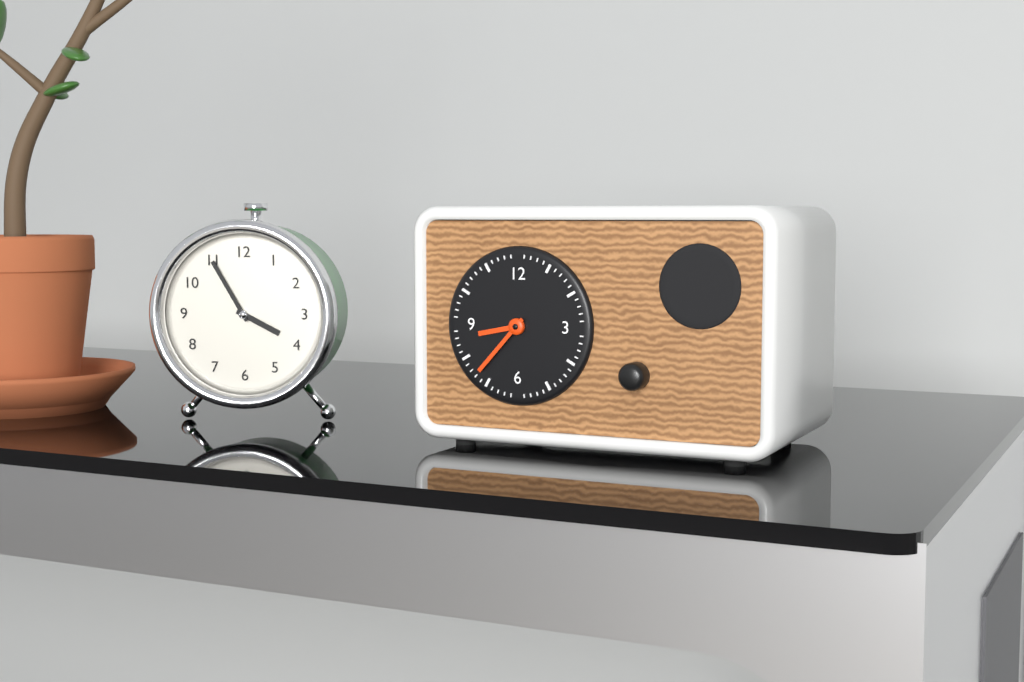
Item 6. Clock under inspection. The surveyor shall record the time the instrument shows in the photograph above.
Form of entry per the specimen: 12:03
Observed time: 8:37
